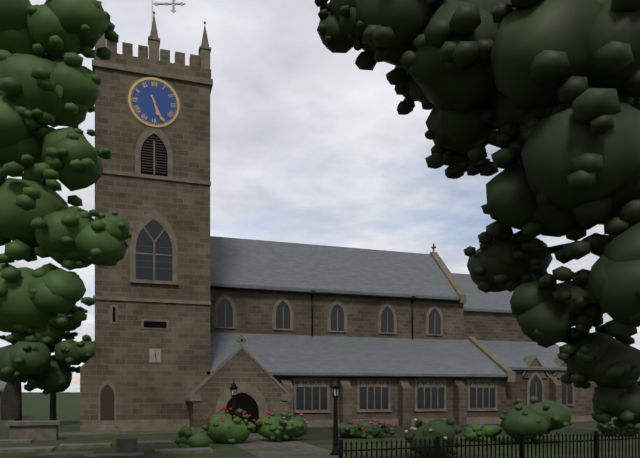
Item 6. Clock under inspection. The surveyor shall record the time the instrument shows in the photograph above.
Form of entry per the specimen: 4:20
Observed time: 5:26
